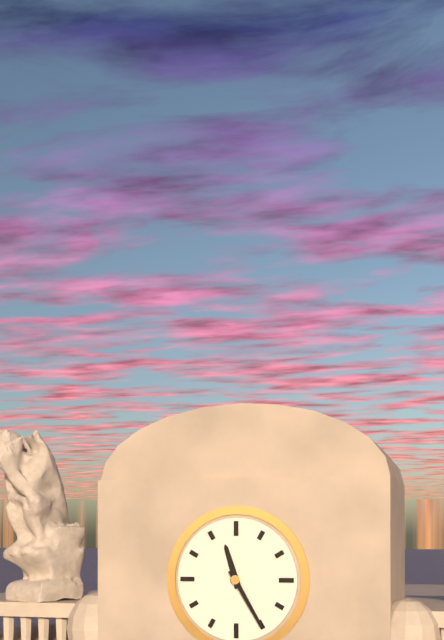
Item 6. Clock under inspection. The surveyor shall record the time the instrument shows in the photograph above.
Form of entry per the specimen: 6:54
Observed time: 11:25
